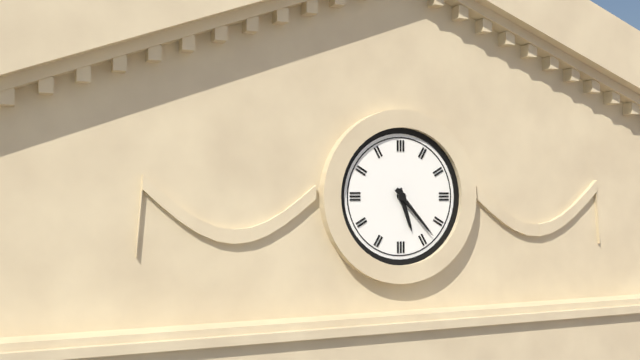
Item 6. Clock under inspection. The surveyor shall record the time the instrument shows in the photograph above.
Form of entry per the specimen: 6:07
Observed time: 5:23
